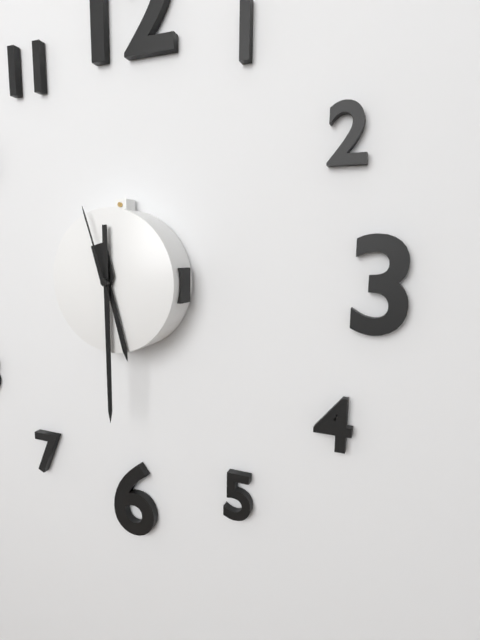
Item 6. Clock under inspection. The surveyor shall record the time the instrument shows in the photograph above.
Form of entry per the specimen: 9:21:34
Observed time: 5:30:57
